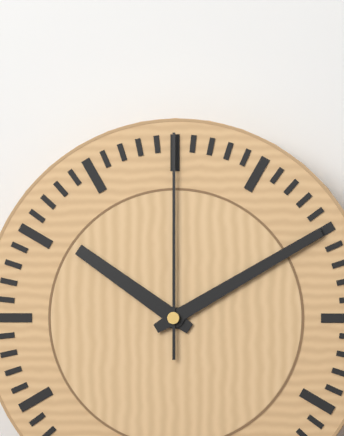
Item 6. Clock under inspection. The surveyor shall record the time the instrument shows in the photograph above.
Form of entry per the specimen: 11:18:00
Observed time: 10:10:00
